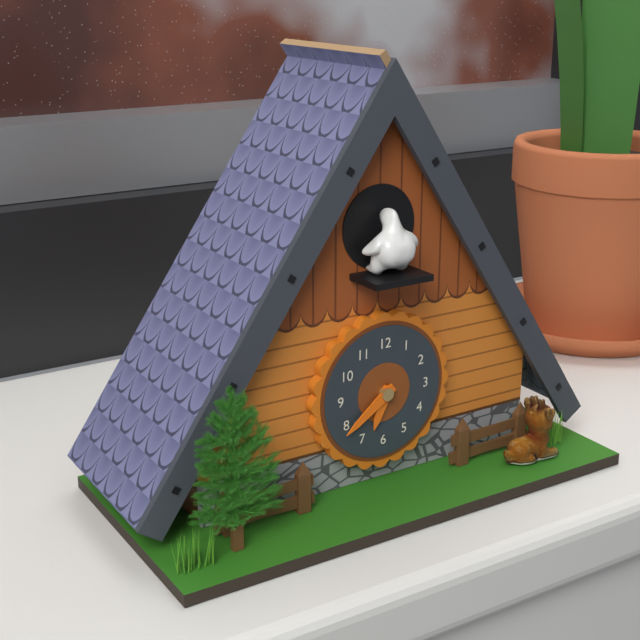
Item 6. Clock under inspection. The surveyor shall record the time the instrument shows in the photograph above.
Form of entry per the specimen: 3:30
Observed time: 6:39
